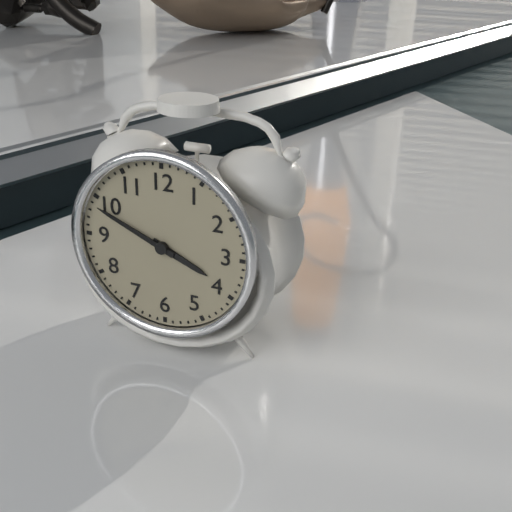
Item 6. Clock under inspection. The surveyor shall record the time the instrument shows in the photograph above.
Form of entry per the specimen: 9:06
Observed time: 3:49
